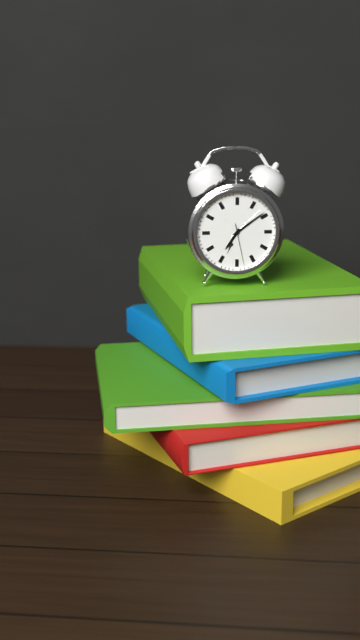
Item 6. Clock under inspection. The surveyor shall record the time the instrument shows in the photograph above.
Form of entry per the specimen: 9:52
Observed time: 7:09
